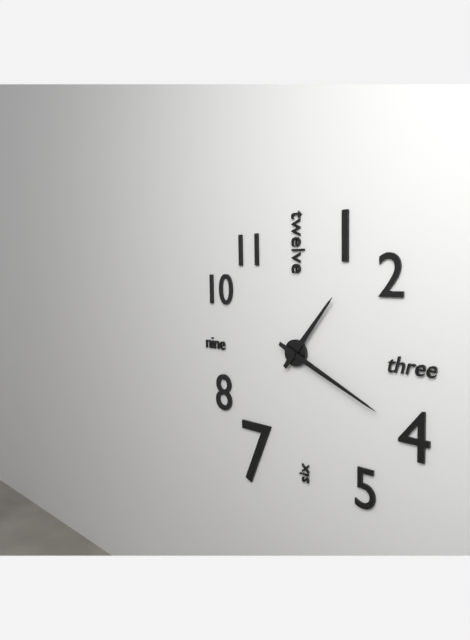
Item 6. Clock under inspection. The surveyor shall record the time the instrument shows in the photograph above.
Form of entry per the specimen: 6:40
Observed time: 1:19
